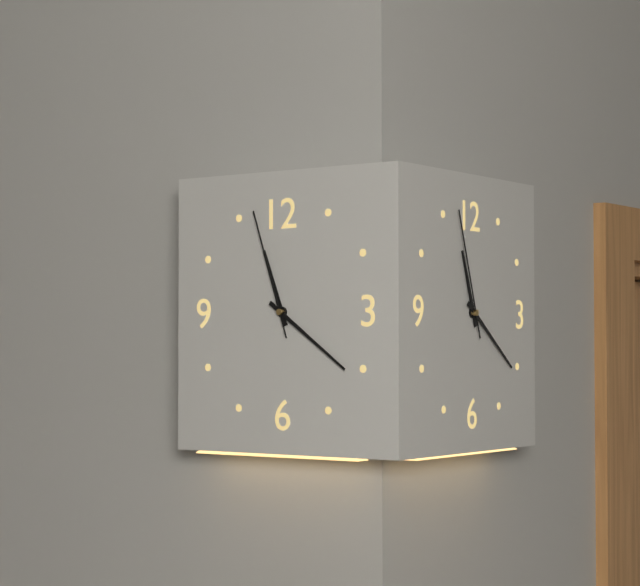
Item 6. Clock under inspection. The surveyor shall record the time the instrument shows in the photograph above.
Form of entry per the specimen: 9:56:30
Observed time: 11:21:57
